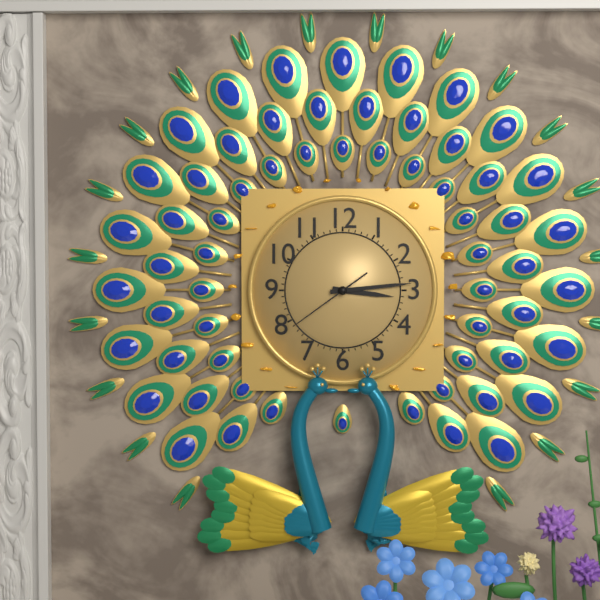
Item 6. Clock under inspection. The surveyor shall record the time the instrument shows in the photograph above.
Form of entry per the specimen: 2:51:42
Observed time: 3:14:39
